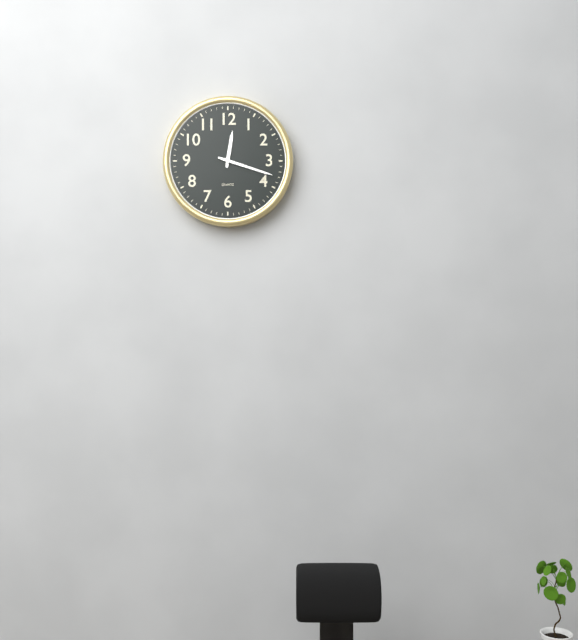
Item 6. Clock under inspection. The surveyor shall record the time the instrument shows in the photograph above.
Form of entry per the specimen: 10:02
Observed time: 12:18
